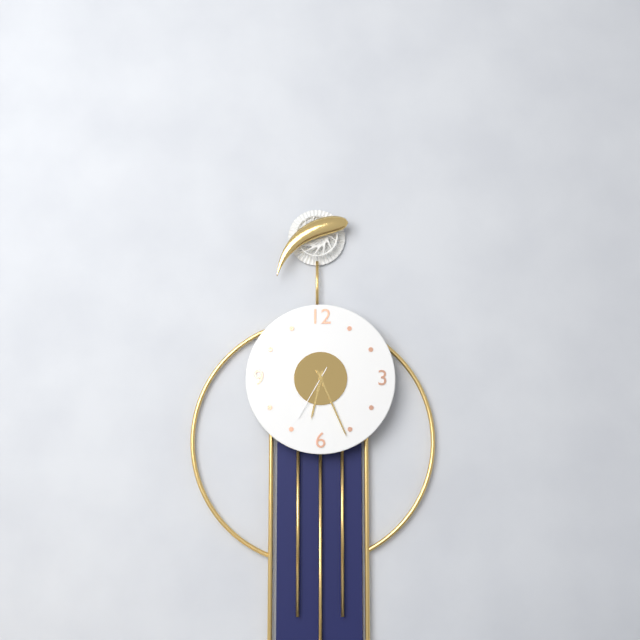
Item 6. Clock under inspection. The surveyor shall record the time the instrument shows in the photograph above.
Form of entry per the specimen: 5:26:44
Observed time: 6:26:35
